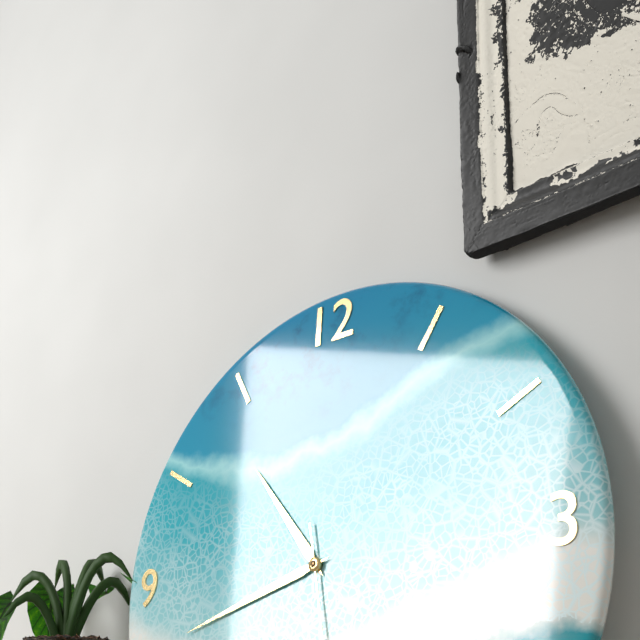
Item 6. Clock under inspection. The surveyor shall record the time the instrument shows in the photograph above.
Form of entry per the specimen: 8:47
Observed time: 10:42
